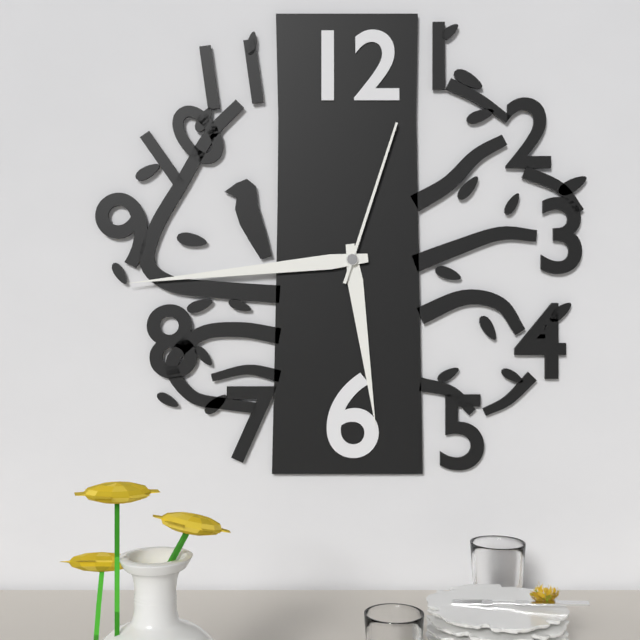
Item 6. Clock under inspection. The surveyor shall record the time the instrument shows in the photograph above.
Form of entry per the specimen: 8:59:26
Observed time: 5:44:03
